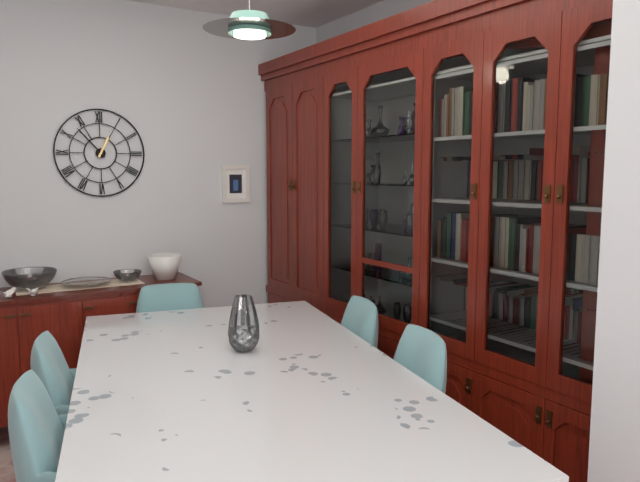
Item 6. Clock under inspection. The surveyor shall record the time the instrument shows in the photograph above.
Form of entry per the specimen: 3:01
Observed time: 12:53
